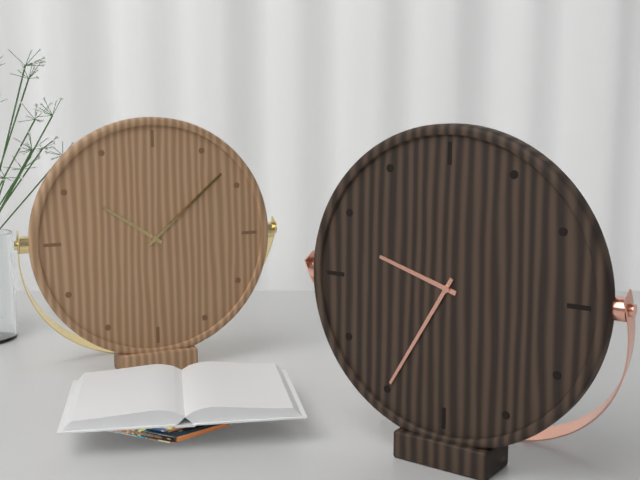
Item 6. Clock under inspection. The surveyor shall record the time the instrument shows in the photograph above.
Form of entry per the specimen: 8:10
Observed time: 9:35
